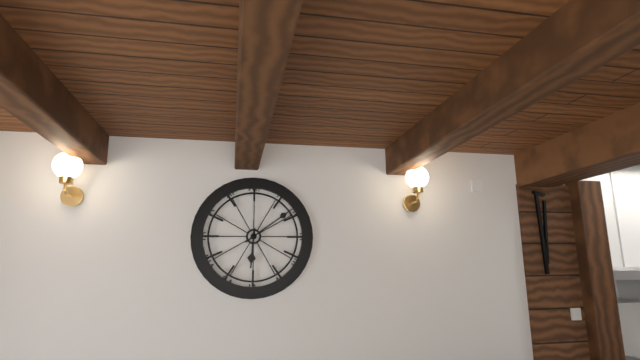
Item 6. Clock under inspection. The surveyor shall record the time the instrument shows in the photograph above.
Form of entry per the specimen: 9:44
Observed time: 6:09
